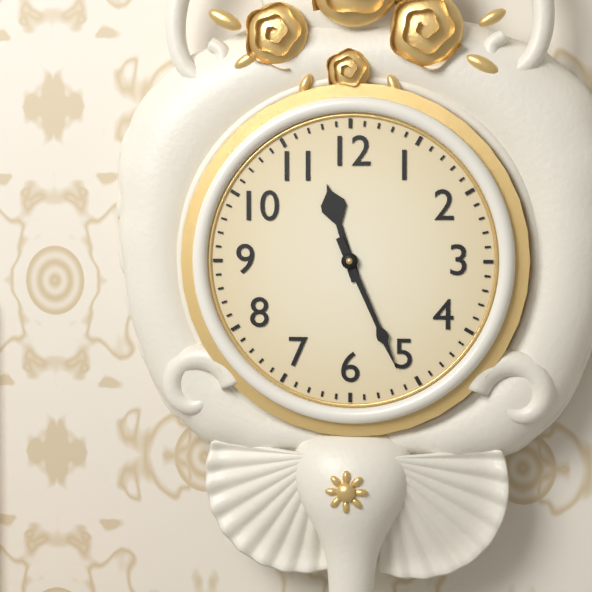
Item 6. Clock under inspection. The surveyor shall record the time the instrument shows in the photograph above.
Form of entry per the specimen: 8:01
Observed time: 11:26
